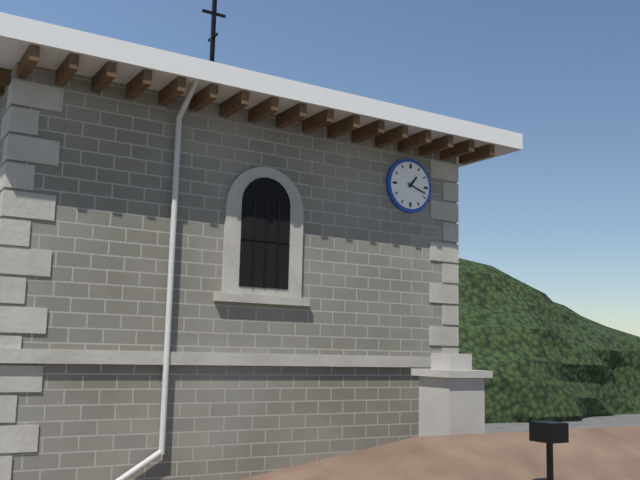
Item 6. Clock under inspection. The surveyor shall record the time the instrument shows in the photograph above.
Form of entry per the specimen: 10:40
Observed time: 1:18
